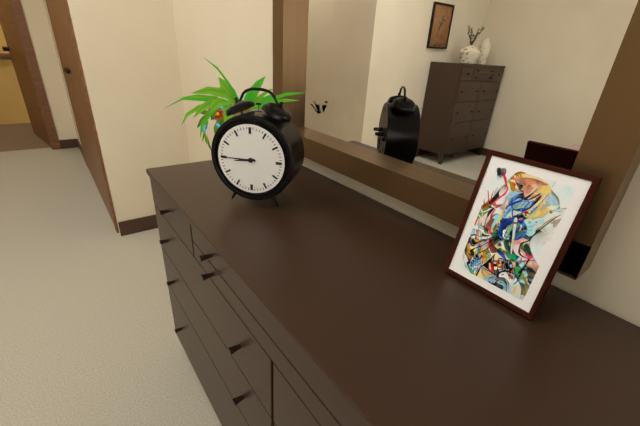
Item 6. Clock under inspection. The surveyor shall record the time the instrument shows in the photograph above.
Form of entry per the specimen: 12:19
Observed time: 8:45
